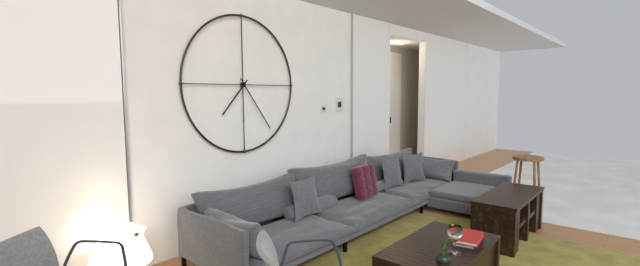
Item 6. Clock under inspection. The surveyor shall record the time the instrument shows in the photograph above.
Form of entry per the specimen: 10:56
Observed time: 7:24
